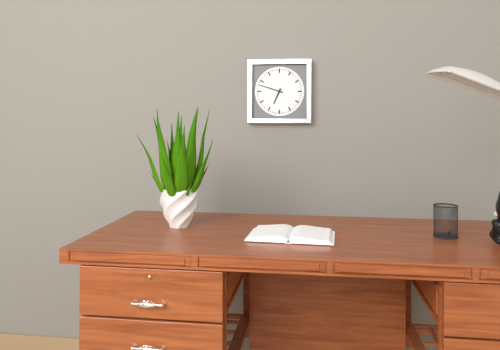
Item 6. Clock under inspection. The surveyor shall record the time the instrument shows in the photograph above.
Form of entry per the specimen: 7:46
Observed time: 6:48
